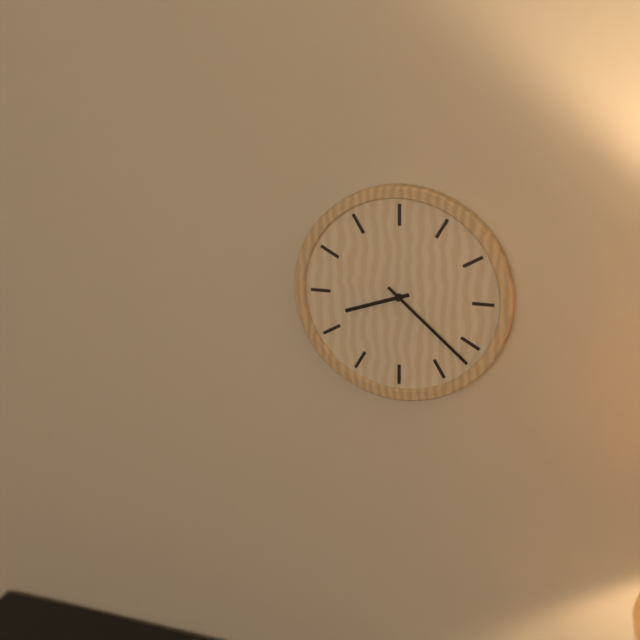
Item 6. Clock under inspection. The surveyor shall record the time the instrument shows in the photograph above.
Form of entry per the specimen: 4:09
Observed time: 8:22
